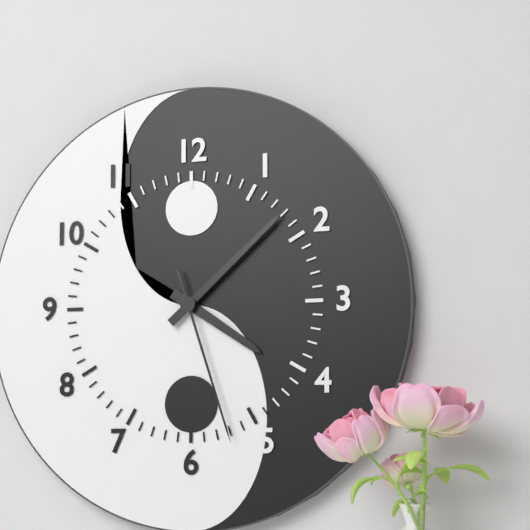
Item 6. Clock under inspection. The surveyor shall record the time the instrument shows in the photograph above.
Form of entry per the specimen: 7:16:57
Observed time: 4:08:27
